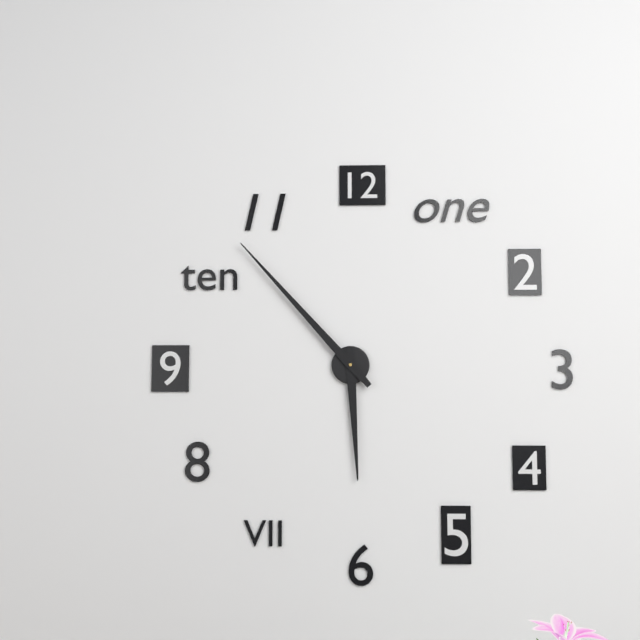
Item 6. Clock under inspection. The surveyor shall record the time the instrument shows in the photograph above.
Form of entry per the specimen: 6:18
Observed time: 5:53
